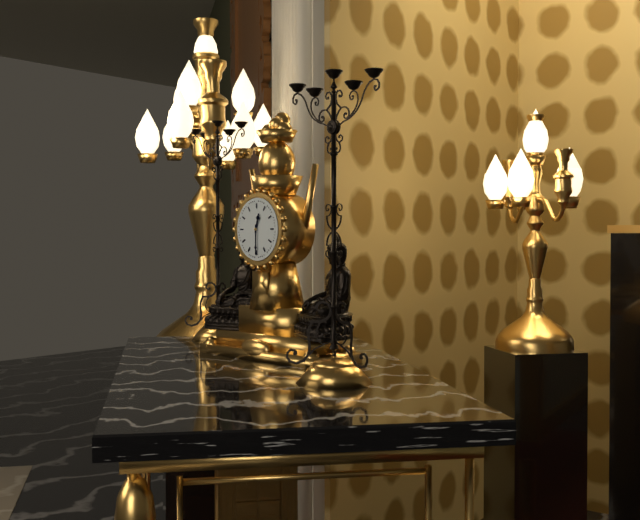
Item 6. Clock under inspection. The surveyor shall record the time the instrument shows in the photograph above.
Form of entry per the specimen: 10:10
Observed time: 12:30
